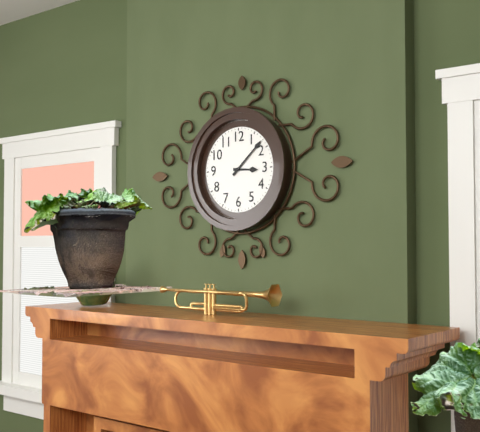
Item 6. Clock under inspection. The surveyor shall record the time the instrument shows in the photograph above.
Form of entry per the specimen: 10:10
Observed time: 3:08
